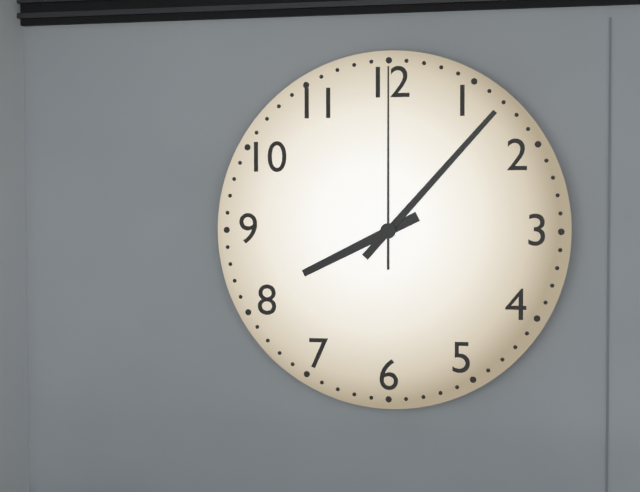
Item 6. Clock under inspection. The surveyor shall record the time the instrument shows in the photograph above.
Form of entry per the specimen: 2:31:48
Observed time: 8:07:00
